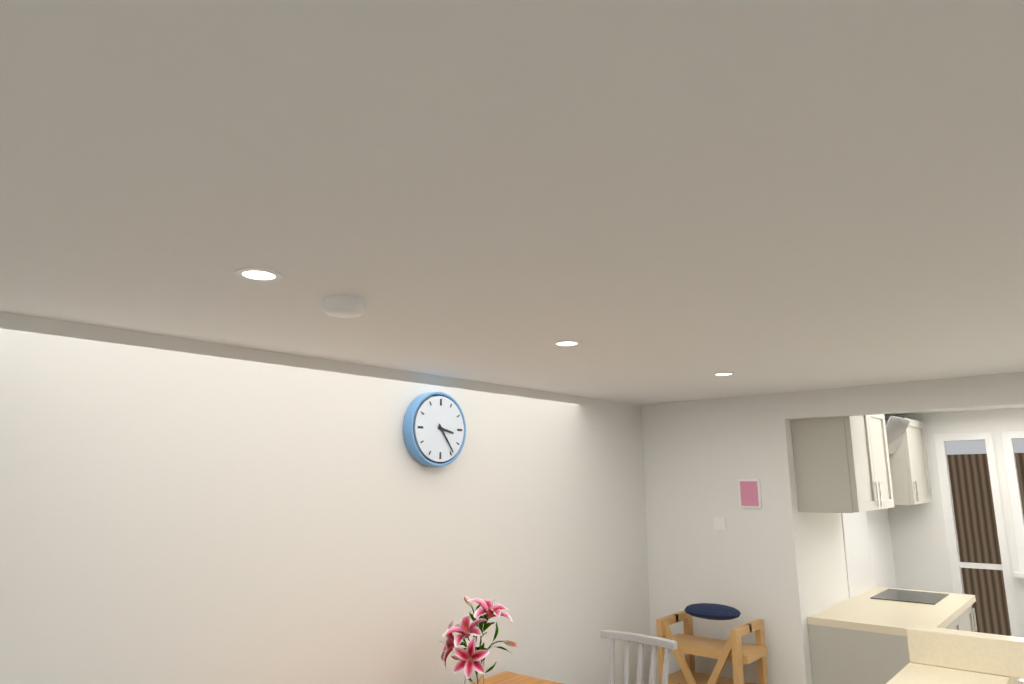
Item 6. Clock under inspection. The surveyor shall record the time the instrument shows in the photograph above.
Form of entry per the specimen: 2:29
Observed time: 3:24
